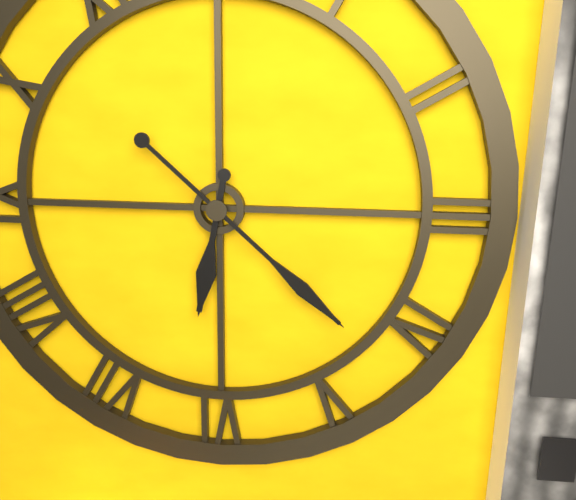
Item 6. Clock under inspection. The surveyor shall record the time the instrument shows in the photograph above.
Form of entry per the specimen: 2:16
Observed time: 6:22
